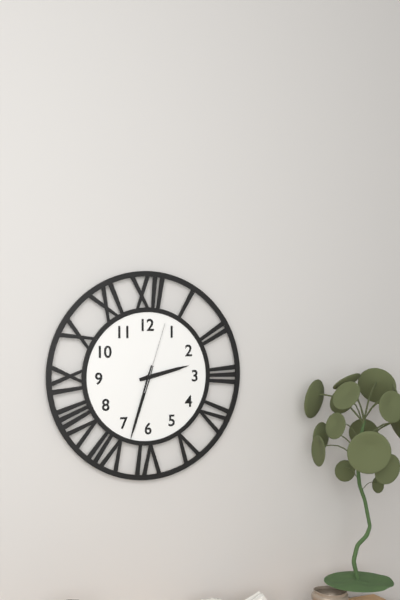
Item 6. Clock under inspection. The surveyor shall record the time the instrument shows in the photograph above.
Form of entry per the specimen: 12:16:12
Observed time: 2:33:03
